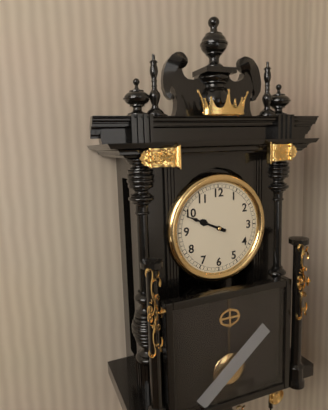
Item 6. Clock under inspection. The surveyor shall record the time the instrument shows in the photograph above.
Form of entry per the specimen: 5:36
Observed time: 9:49
